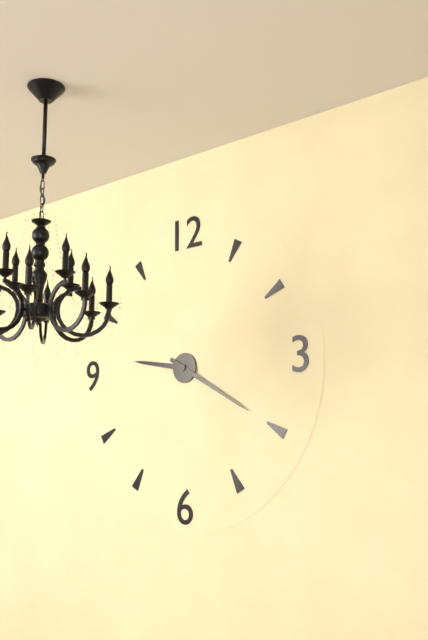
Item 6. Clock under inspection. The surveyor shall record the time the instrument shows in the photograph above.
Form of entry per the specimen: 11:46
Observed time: 9:20
